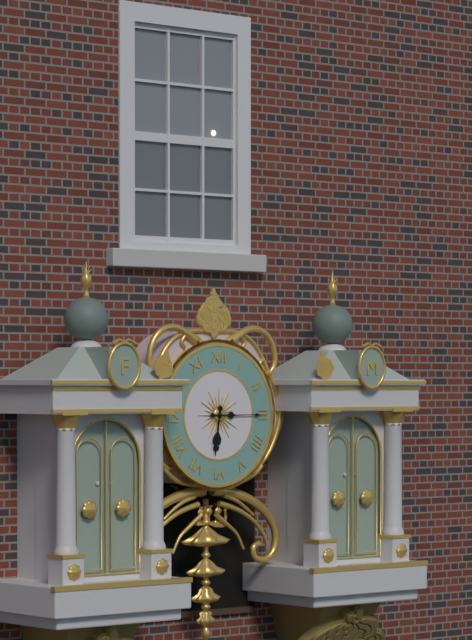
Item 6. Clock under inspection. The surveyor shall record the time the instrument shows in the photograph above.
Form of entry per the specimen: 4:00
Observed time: 6:15
